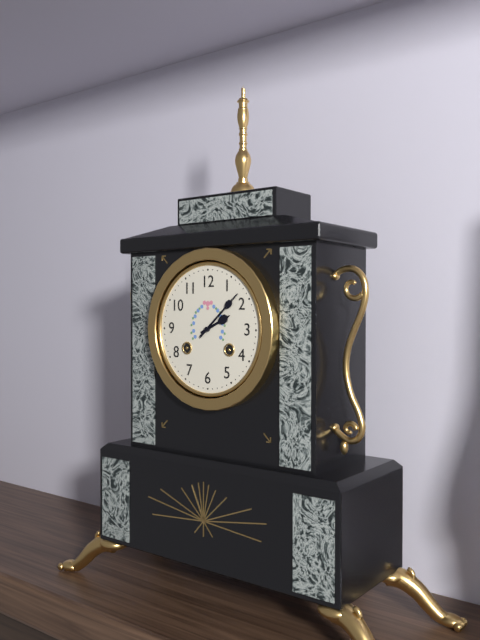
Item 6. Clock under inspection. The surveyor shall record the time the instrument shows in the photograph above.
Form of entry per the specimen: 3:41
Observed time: 2:08
